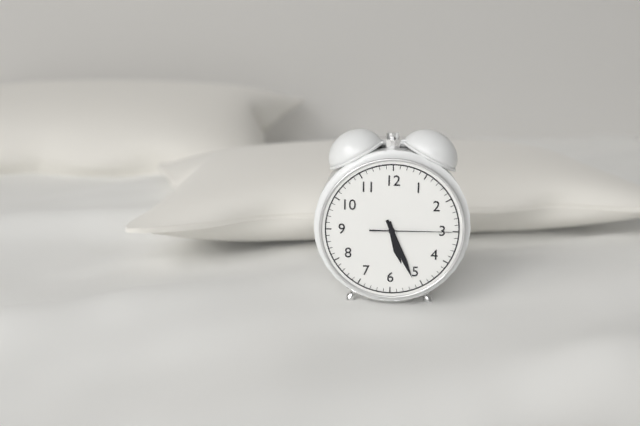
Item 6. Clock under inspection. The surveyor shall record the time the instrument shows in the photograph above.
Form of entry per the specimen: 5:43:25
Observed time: 5:26:15
